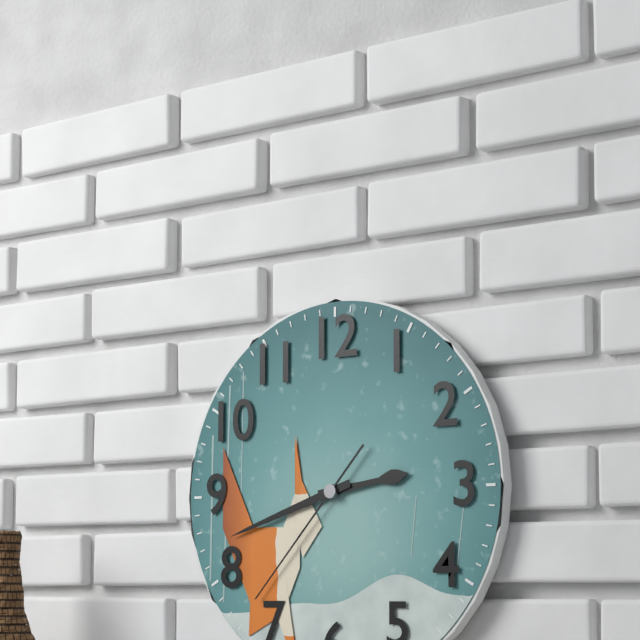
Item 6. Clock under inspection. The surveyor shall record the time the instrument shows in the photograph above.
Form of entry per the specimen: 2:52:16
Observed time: 2:42:37
